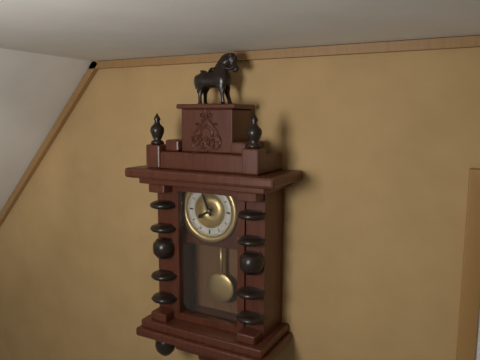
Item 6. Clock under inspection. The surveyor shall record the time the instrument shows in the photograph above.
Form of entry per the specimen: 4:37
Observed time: 7:56
